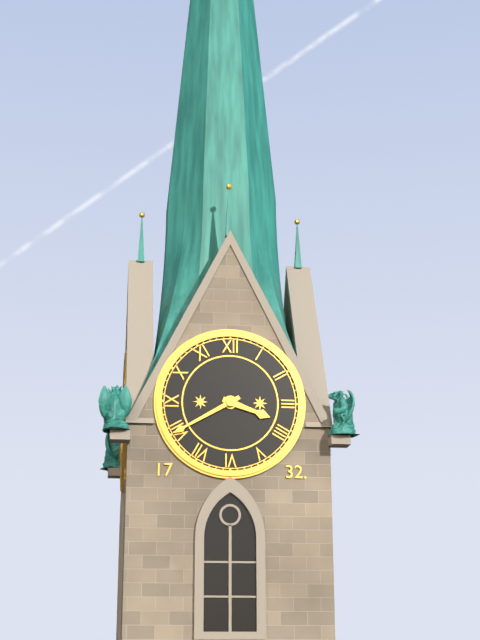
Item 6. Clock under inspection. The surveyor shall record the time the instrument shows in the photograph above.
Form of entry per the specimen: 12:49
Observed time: 3:40
